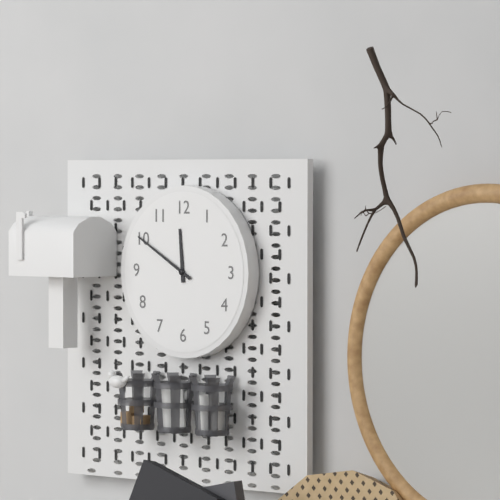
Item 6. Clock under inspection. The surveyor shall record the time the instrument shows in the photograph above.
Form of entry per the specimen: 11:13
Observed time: 11:50
